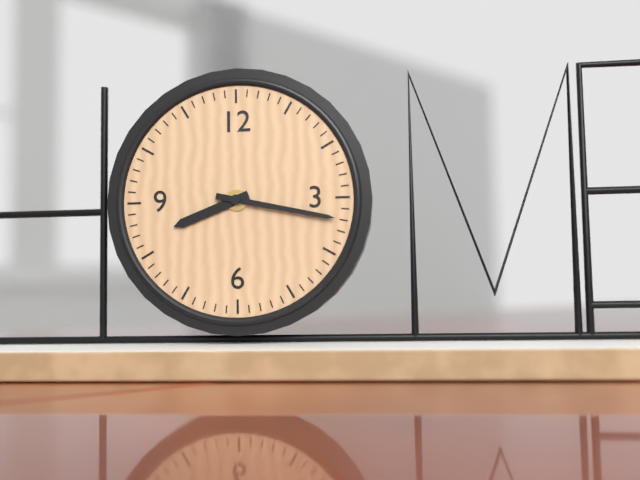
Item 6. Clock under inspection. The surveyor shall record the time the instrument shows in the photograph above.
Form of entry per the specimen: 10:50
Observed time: 8:17
